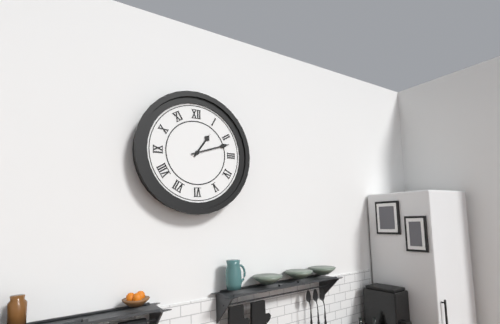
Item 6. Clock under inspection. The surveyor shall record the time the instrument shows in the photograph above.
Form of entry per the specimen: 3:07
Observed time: 1:12
